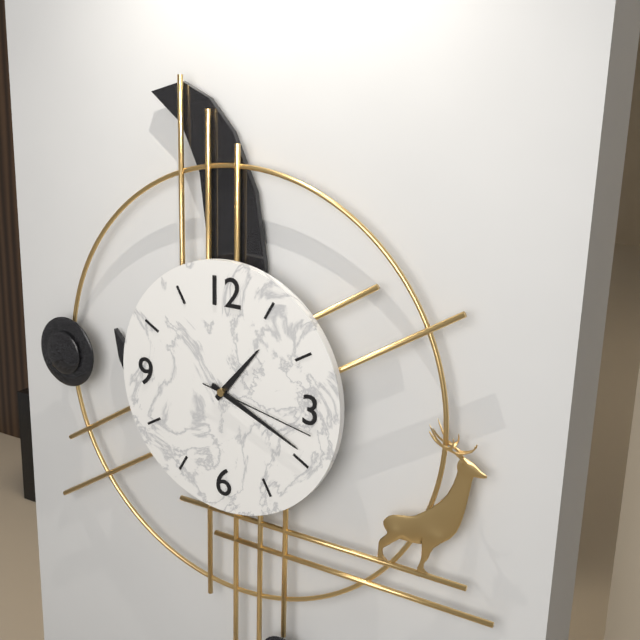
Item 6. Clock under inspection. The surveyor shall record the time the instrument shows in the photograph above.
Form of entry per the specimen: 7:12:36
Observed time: 1:19:17
